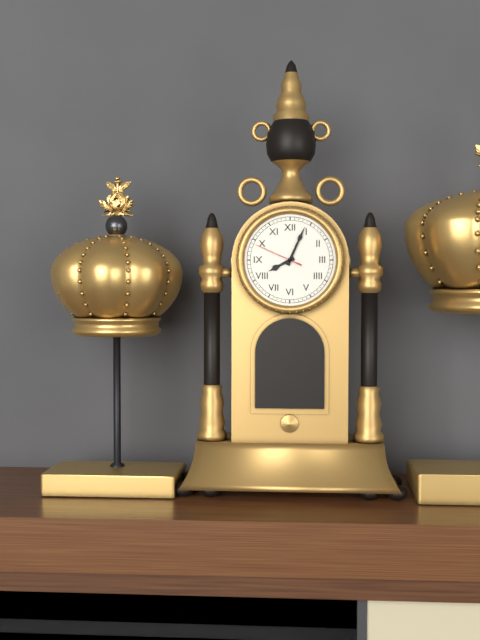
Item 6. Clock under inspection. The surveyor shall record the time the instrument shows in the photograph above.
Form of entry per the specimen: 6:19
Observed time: 8:04
